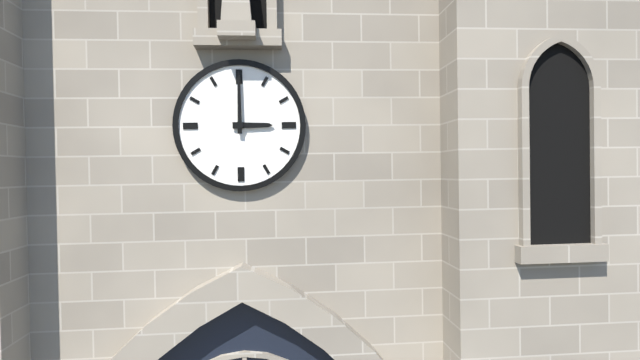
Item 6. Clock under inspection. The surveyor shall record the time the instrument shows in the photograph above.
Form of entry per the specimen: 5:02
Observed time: 3:00
